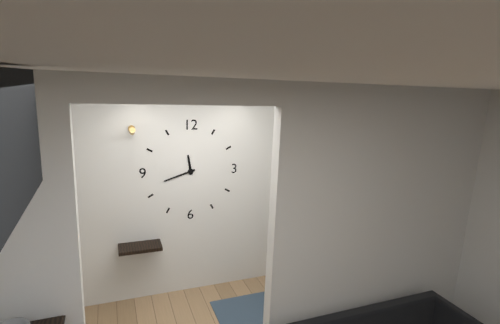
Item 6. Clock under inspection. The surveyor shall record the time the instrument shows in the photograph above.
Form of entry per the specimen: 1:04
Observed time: 11:42
